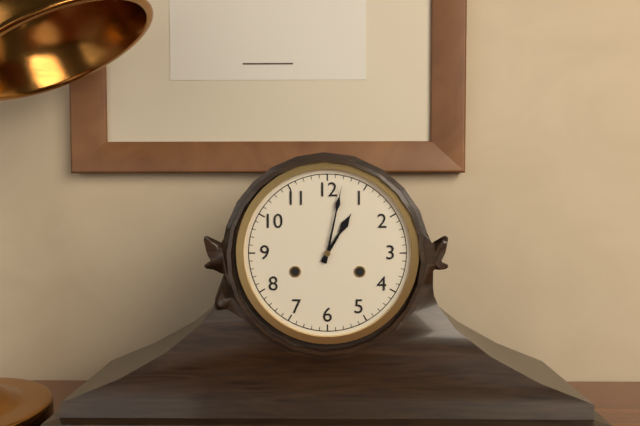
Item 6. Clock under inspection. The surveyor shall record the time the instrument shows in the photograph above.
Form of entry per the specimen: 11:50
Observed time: 1:02
